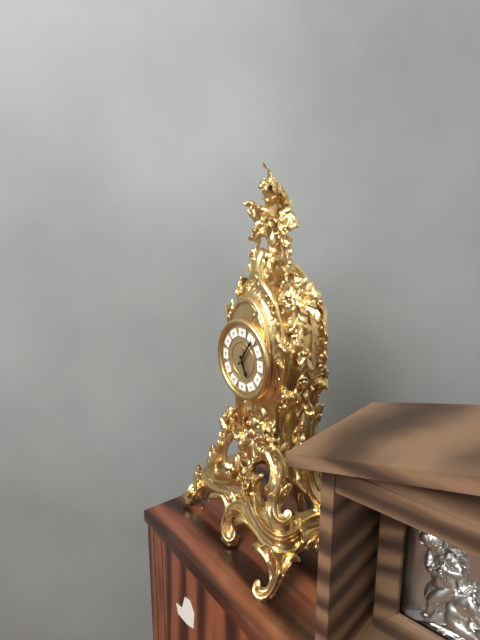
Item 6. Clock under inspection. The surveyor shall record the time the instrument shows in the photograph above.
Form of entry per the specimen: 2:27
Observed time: 5:06
